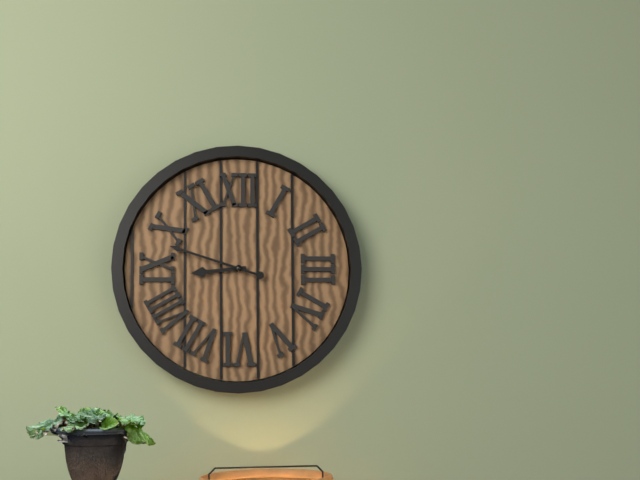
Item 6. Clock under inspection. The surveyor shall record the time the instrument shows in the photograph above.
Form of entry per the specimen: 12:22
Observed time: 8:48
